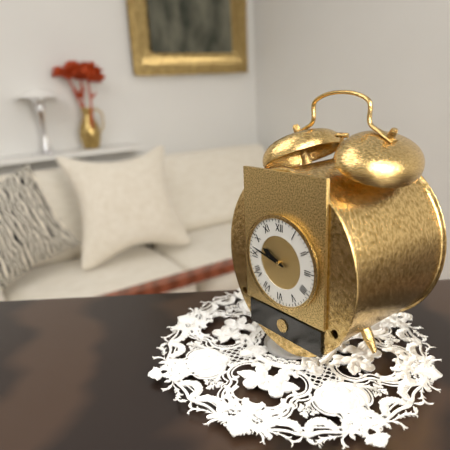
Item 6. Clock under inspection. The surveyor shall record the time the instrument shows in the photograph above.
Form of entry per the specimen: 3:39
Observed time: 9:47
